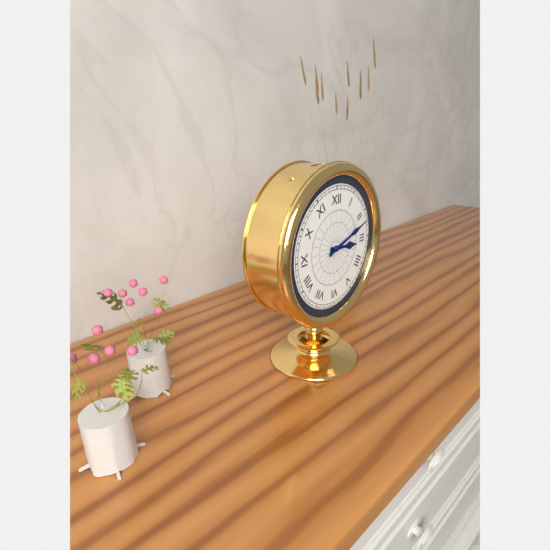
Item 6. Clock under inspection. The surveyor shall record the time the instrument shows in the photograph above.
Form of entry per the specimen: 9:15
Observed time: 3:12
